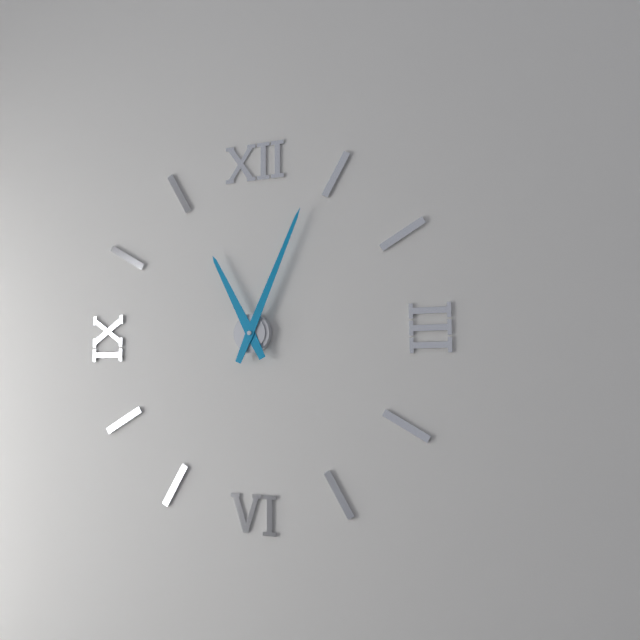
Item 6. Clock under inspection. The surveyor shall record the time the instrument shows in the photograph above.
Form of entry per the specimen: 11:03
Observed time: 11:04
